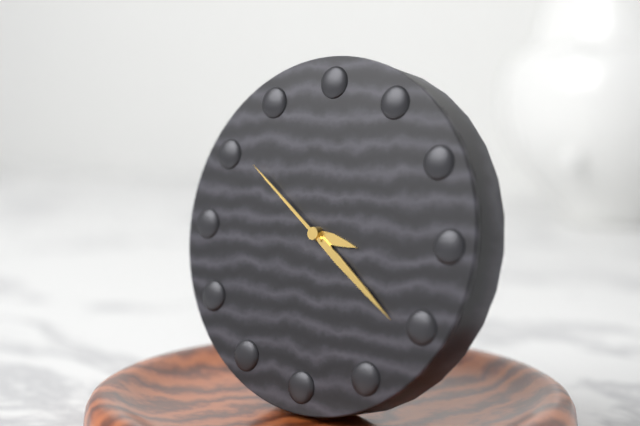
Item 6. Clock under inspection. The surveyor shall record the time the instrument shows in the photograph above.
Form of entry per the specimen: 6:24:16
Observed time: 3:21:51
